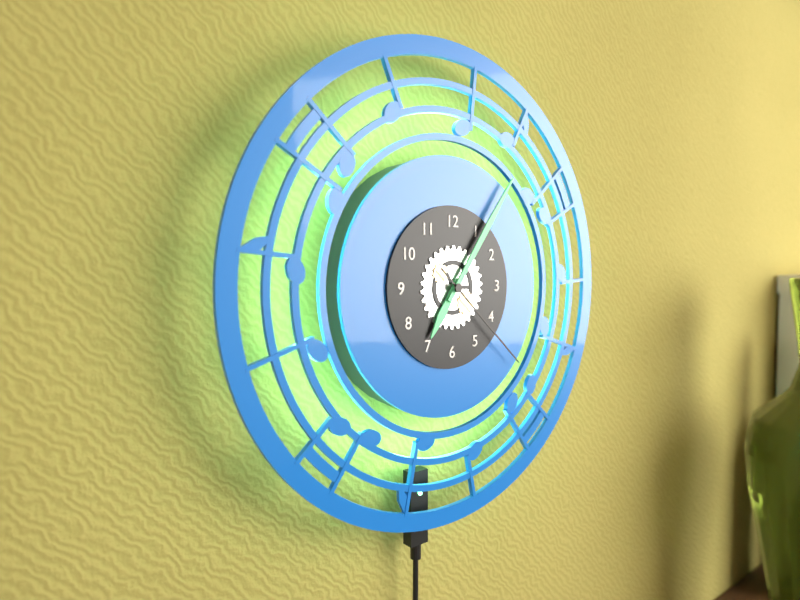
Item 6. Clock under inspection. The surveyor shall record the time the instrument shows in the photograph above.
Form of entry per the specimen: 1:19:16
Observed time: 7:06:22
